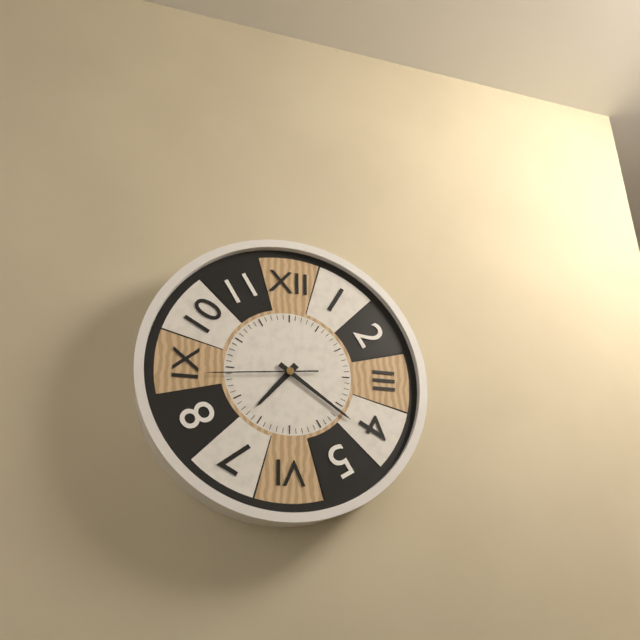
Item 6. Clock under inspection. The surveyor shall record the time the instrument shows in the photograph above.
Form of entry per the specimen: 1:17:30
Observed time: 7:21:44
